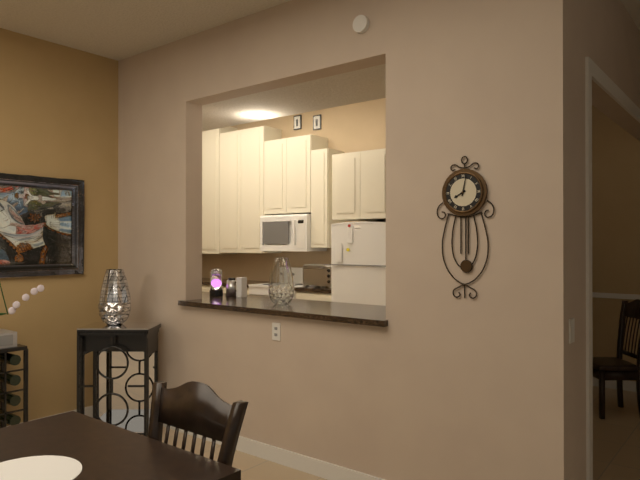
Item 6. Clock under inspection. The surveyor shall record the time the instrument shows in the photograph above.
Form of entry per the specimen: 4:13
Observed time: 8:02
